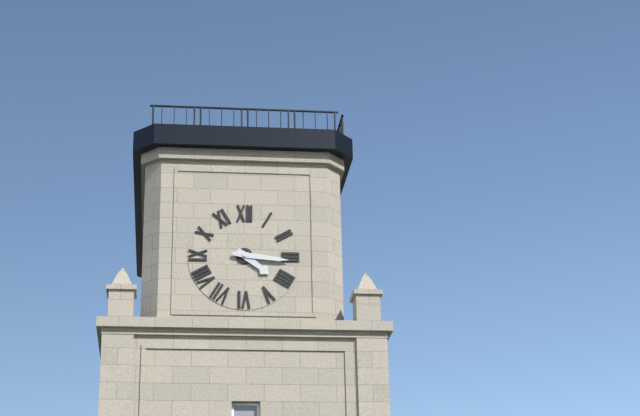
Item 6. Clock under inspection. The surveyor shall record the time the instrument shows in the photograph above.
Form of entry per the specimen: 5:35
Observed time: 4:16
